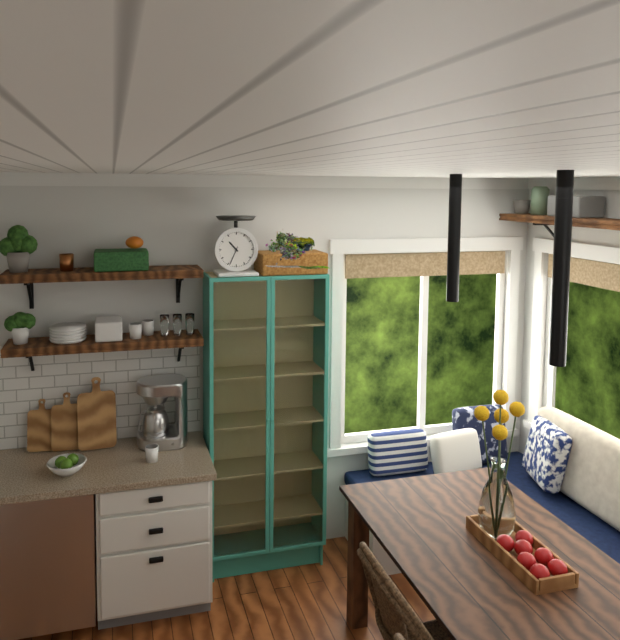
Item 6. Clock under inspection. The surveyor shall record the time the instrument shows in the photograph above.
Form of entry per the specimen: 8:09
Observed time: 10:34
